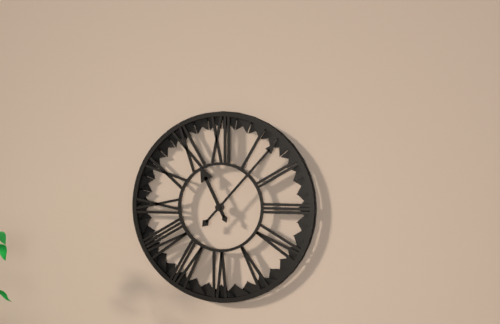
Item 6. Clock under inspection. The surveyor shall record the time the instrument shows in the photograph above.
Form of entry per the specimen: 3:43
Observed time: 11:07
